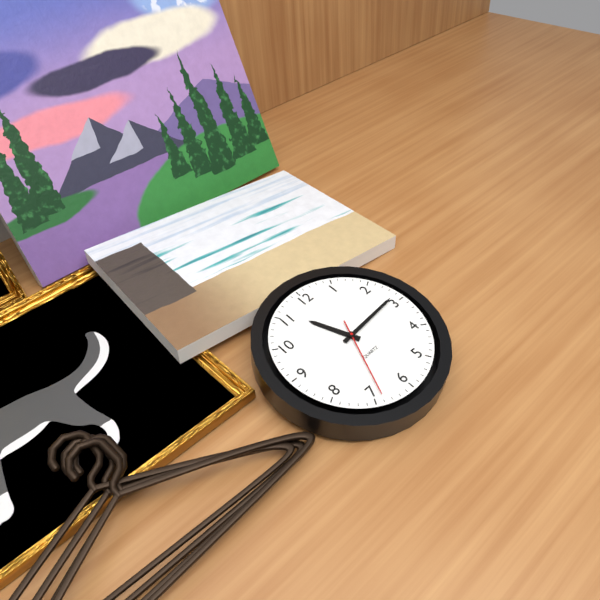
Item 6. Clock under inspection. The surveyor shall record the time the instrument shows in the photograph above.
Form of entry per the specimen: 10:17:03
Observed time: 11:14:34
